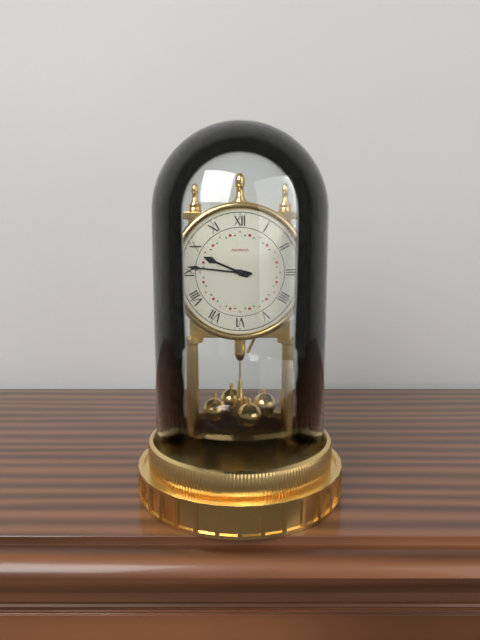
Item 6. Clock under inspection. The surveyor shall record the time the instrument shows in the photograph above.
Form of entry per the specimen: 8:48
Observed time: 9:46
